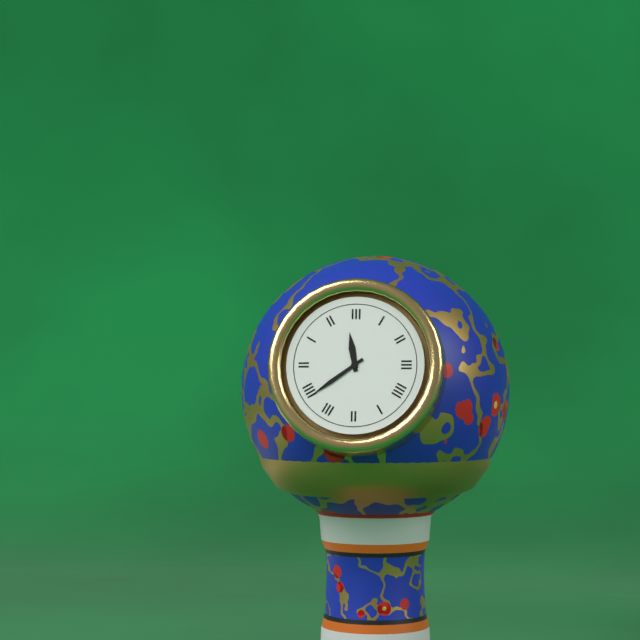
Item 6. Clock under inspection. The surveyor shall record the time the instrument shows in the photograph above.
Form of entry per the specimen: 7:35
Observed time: 11:39
